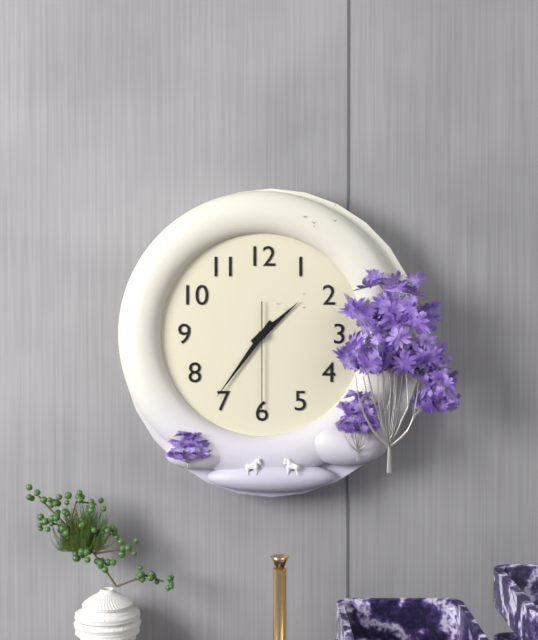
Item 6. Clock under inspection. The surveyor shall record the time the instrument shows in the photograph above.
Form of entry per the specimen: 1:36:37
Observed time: 1:36:30
